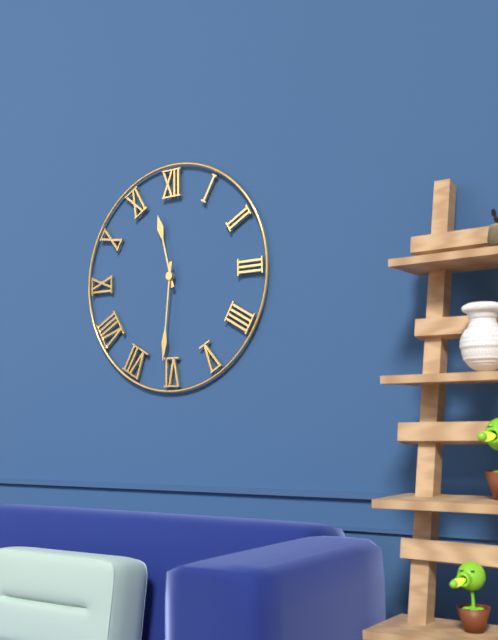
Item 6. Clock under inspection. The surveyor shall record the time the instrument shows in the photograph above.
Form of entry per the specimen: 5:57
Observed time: 11:31
